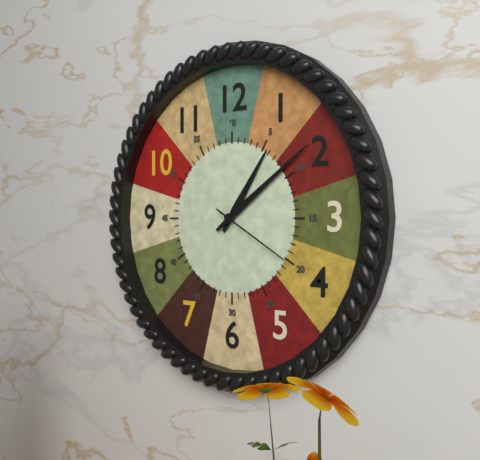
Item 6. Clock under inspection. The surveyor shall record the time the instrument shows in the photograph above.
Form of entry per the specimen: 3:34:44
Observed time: 1:09:20
